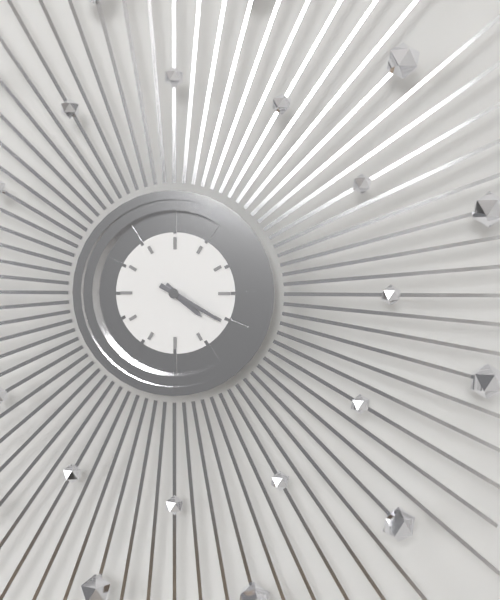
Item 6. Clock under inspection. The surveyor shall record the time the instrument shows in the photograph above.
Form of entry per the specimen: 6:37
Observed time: 4:20
